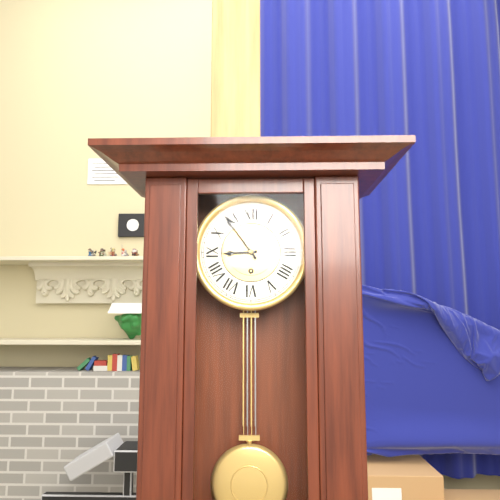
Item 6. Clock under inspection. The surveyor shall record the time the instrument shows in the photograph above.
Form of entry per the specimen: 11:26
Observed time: 8:54
